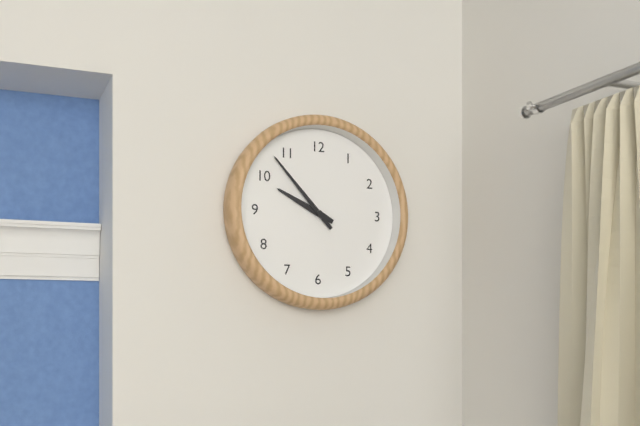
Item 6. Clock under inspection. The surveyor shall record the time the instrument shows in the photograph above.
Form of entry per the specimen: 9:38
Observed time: 9:53
